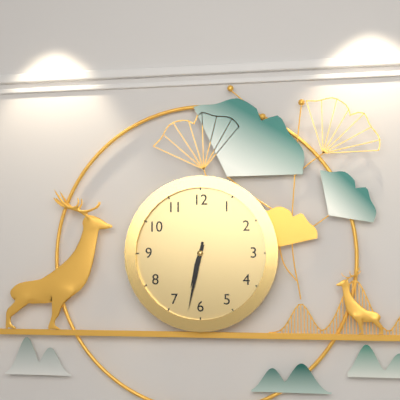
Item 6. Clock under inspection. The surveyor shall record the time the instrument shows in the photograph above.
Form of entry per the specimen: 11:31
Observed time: 6:32
